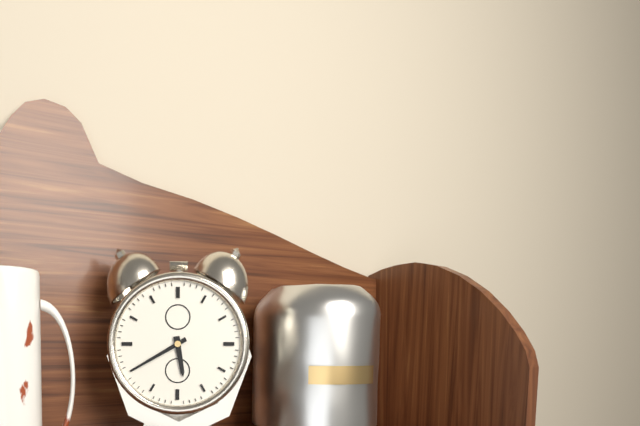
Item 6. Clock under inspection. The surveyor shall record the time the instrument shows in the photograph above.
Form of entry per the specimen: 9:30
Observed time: 5:40
